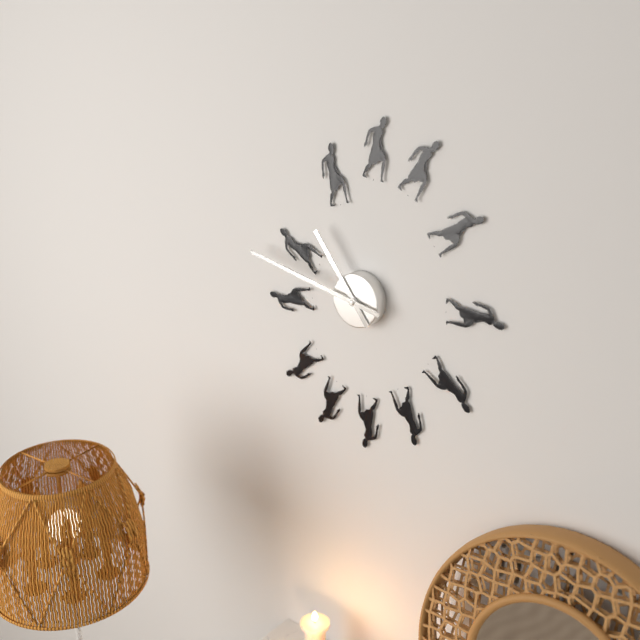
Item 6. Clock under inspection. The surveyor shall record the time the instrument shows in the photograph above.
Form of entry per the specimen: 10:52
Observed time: 10:47
